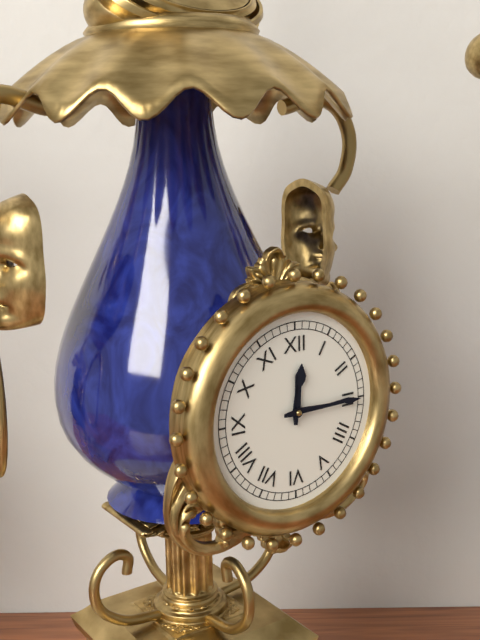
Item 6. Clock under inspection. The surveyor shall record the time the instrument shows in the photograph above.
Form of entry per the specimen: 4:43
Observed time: 12:15
